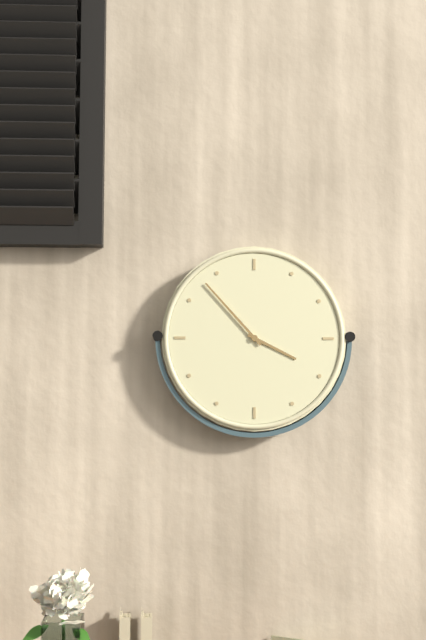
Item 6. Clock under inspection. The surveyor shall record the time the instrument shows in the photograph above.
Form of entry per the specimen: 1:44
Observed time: 3:53
